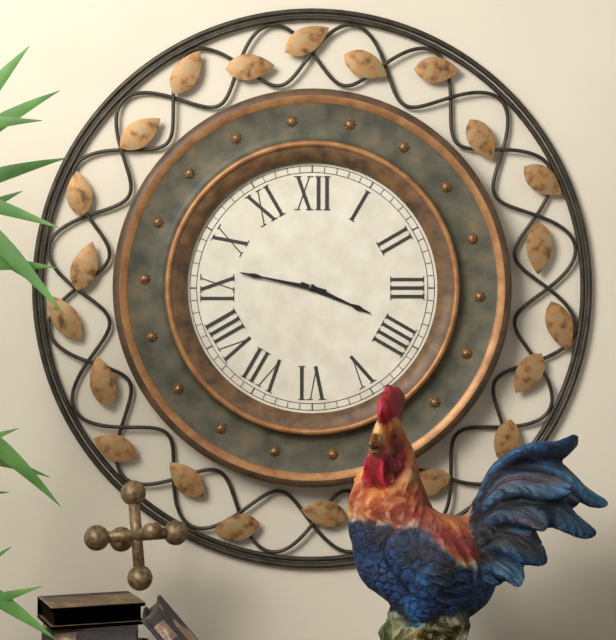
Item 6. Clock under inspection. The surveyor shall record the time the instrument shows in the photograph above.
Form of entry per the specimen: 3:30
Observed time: 3:47
